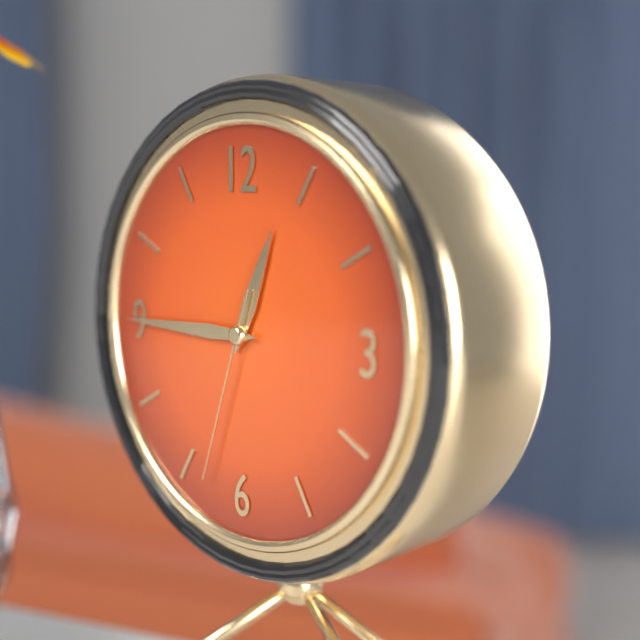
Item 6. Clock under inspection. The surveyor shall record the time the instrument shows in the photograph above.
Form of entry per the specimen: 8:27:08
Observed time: 12:45:33
